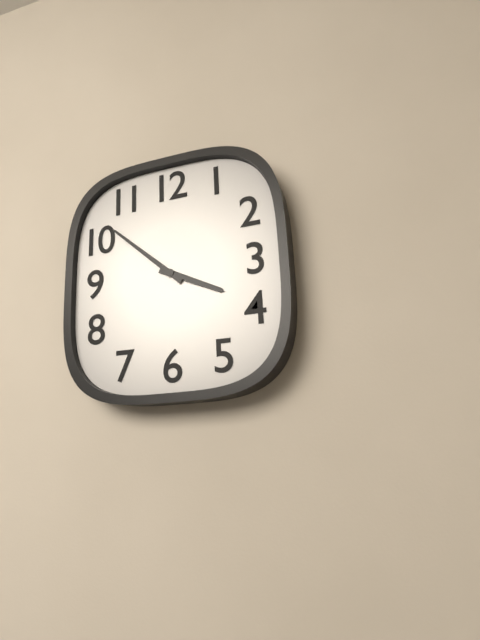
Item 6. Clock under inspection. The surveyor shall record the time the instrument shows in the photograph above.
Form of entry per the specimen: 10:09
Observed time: 3:52
